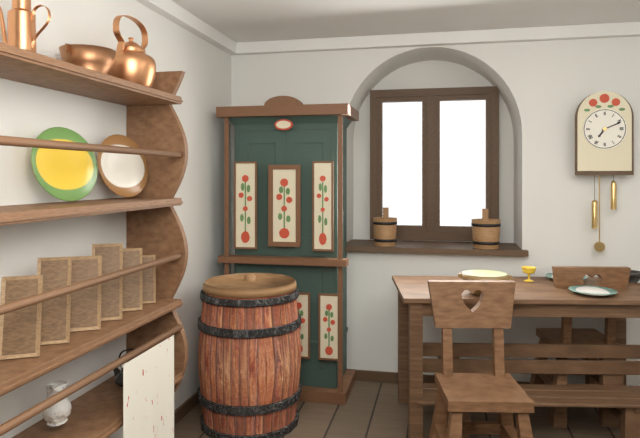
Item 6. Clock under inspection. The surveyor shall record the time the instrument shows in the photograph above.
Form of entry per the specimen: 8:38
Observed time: 7:11
